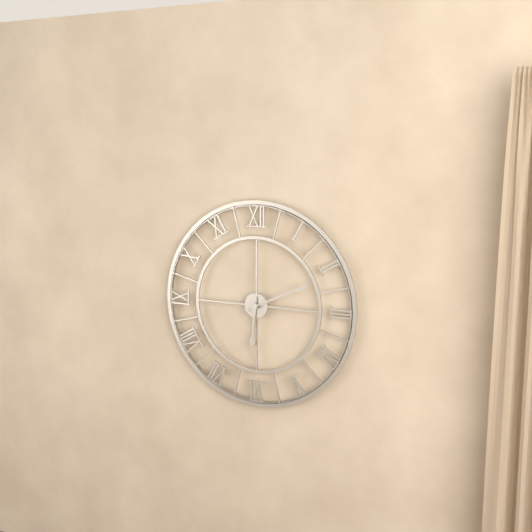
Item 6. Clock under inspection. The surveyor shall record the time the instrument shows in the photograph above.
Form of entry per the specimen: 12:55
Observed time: 6:11
